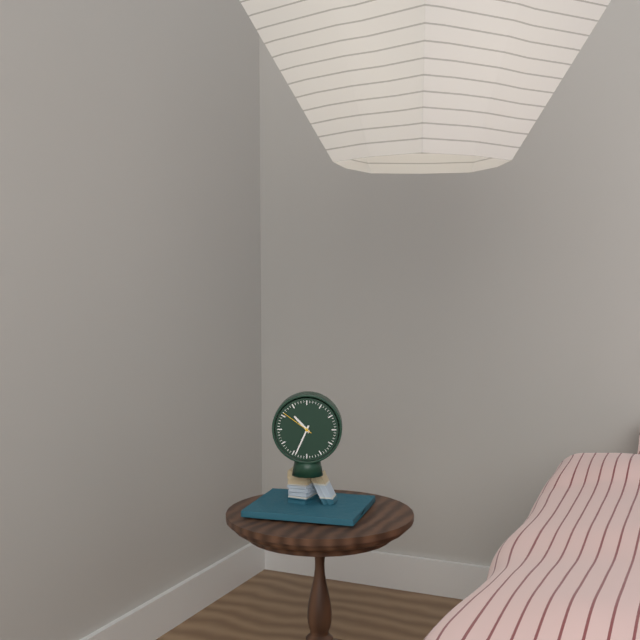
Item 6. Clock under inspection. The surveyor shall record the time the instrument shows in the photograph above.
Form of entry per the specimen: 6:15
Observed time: 10:34
